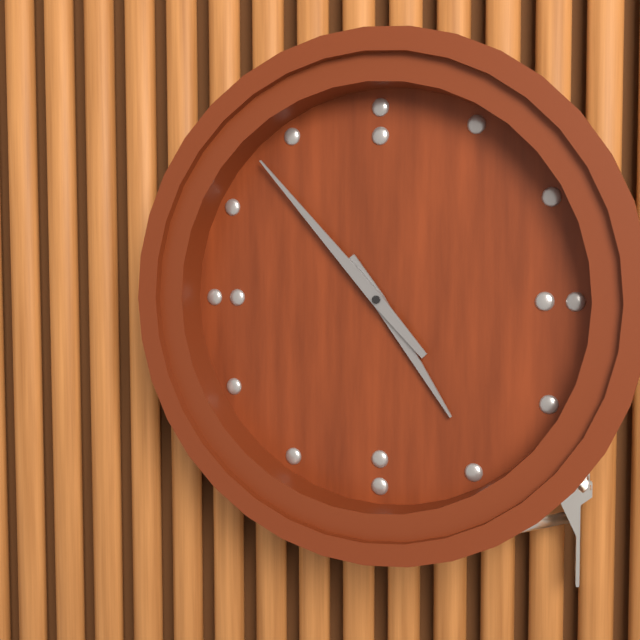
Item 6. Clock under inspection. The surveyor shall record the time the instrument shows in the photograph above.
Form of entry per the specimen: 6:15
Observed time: 4:53
